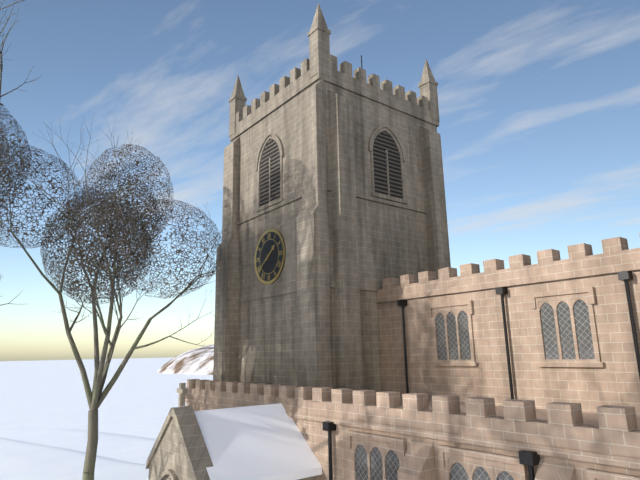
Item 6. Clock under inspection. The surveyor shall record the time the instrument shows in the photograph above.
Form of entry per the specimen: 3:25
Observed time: 1:39
